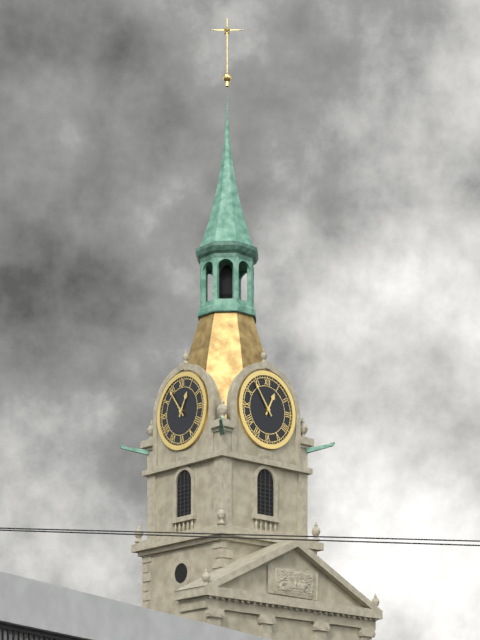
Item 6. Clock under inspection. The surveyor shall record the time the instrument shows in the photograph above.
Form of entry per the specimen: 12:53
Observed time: 12:54
